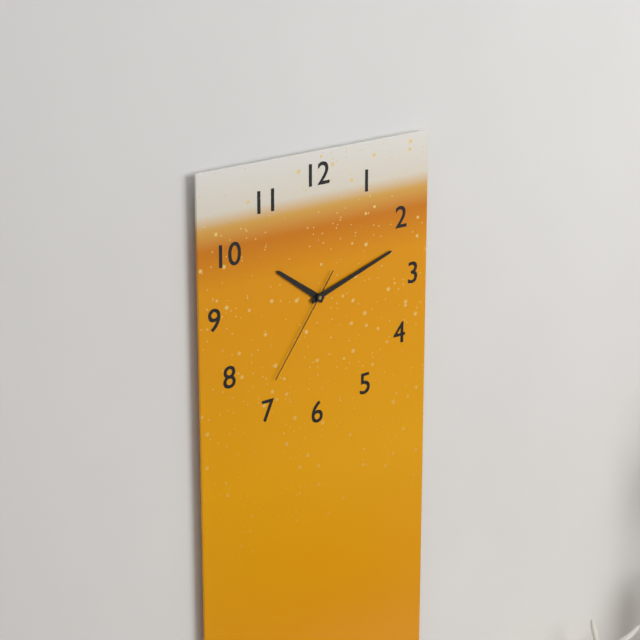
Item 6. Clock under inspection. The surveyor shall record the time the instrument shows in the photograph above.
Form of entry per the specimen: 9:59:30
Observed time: 10:12:36
